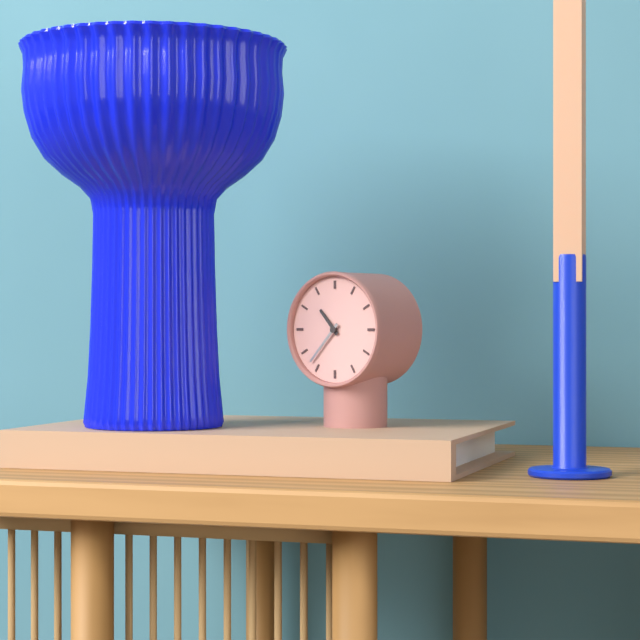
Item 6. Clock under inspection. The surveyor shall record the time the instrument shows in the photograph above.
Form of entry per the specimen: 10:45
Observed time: 10:37
